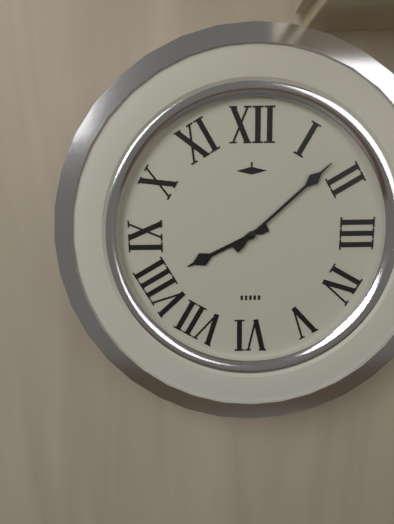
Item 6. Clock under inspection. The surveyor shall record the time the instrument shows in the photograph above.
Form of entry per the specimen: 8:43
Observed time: 8:08
